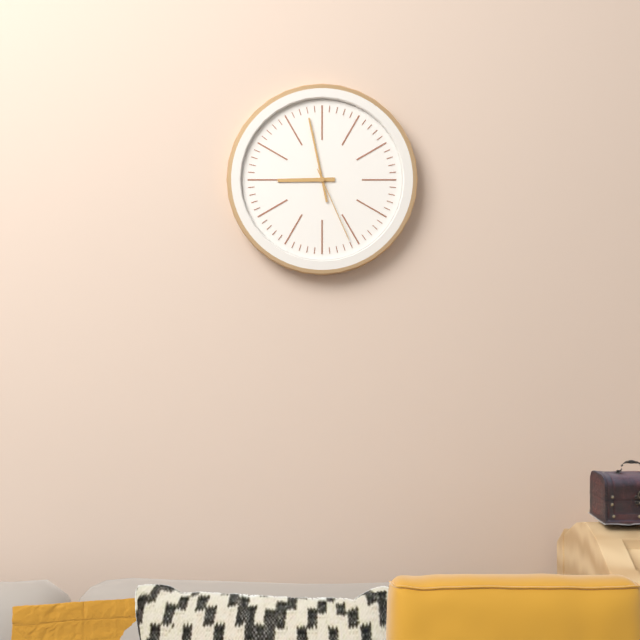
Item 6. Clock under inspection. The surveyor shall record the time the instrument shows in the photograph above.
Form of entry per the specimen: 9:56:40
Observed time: 8:58:26
